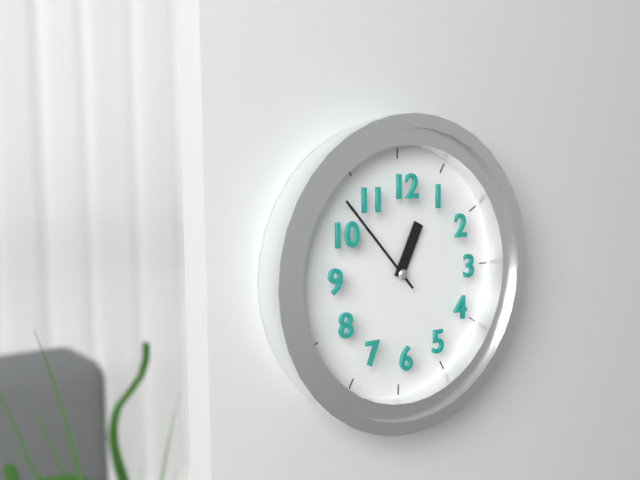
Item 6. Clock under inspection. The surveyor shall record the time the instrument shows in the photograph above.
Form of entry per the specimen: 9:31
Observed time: 12:53
